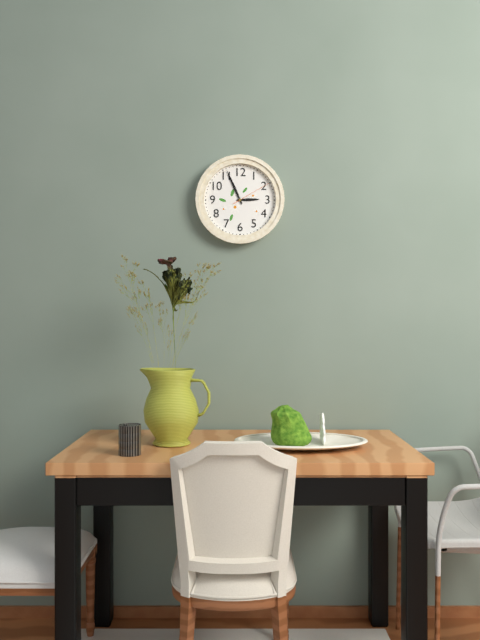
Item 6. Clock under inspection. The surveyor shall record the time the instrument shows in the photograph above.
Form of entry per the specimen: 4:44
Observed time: 2:56
